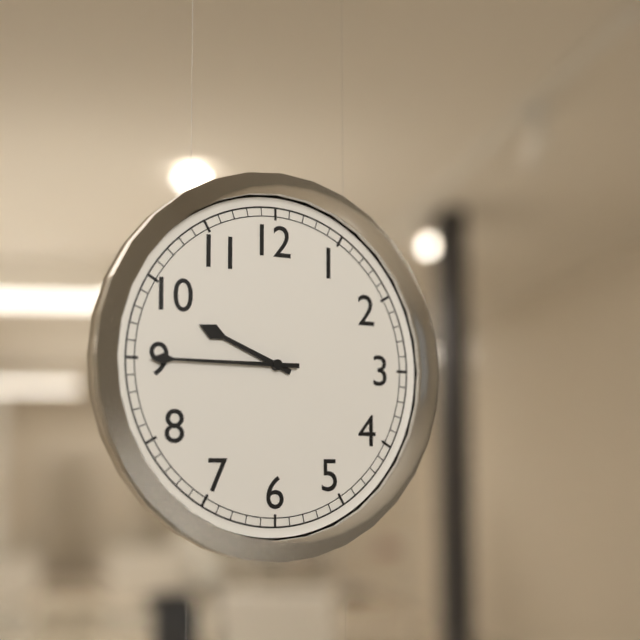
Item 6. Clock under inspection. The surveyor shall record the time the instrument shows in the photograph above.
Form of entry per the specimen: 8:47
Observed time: 9:45
